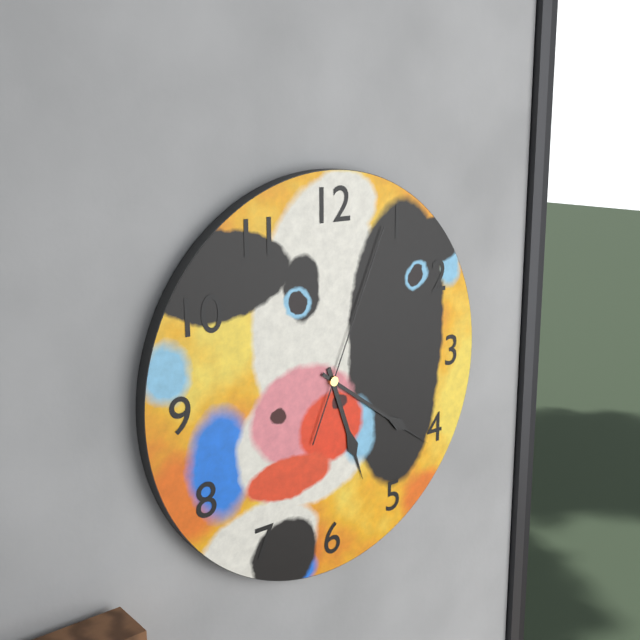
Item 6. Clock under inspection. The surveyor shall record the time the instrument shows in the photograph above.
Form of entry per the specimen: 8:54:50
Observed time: 5:21:04
